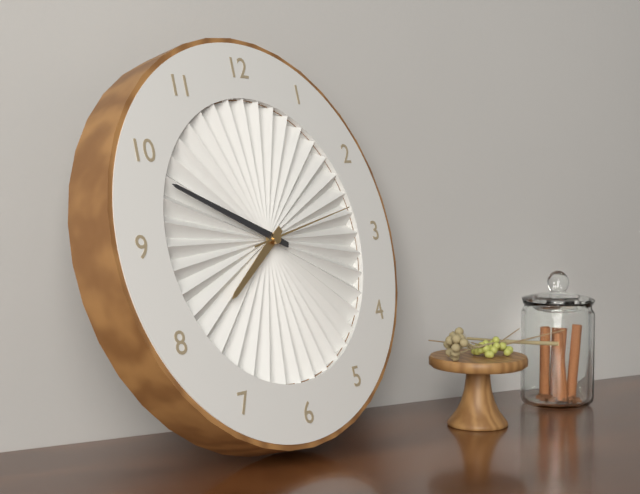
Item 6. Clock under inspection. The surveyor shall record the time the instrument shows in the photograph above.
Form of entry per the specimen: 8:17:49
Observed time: 7:49:13
